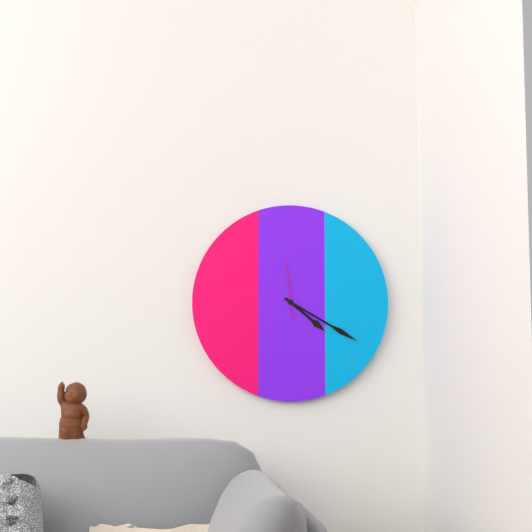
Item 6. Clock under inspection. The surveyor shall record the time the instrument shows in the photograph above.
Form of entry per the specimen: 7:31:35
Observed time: 4:20:59
